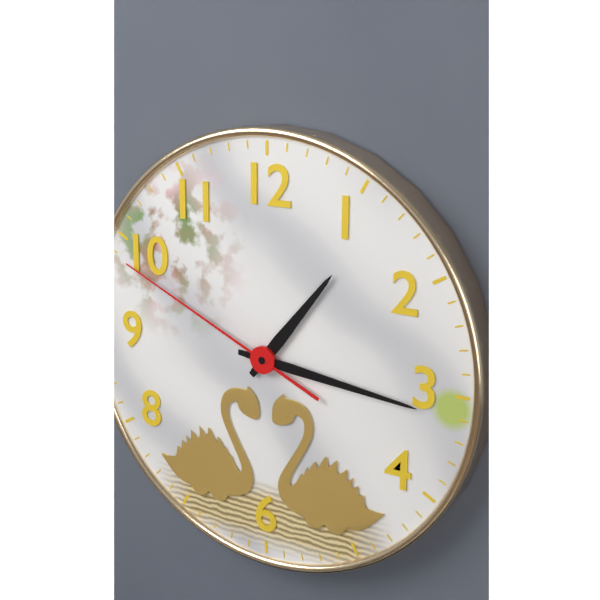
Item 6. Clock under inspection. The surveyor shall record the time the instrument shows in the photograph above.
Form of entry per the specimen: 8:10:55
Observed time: 1:16:49
